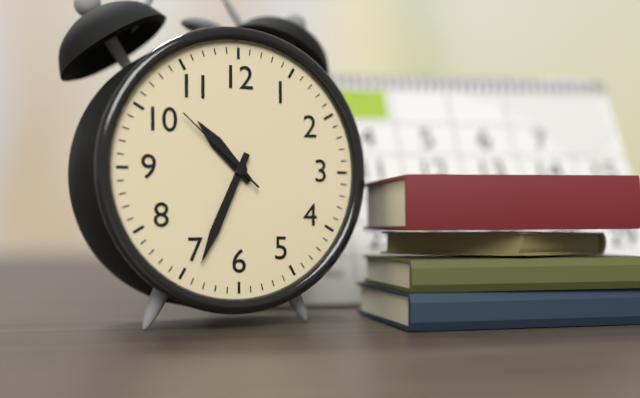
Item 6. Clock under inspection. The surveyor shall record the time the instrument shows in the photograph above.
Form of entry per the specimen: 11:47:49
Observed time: 10:34:52
